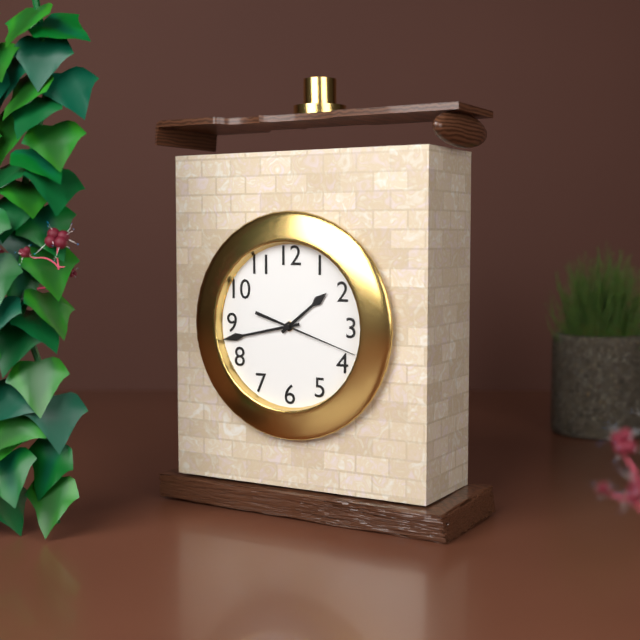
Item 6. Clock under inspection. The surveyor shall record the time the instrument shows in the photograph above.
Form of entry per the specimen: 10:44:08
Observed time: 1:43:18
